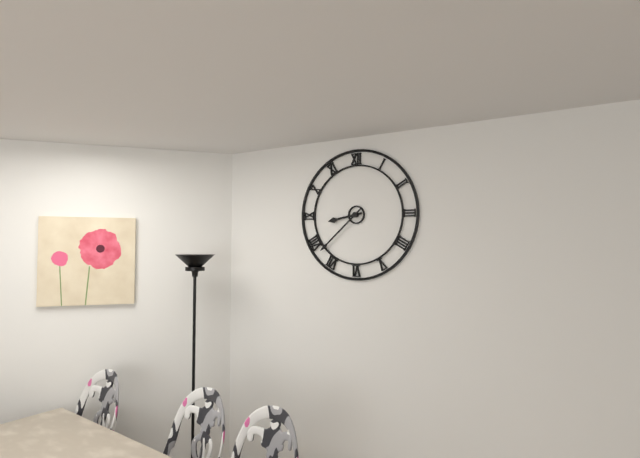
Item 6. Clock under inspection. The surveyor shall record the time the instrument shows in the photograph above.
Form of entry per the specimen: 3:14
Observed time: 8:38
